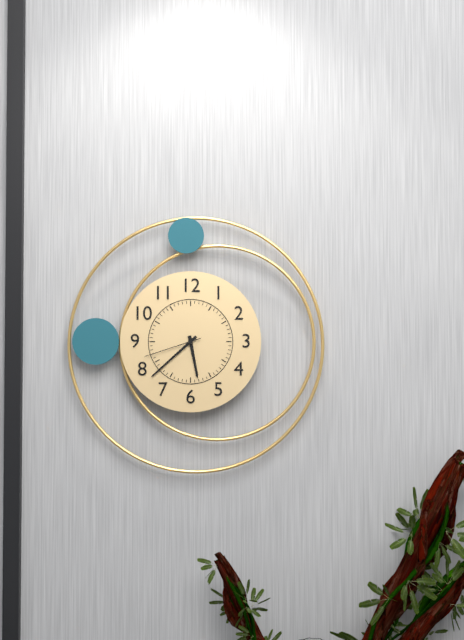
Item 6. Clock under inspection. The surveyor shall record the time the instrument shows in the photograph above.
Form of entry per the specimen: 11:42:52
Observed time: 5:38:42
